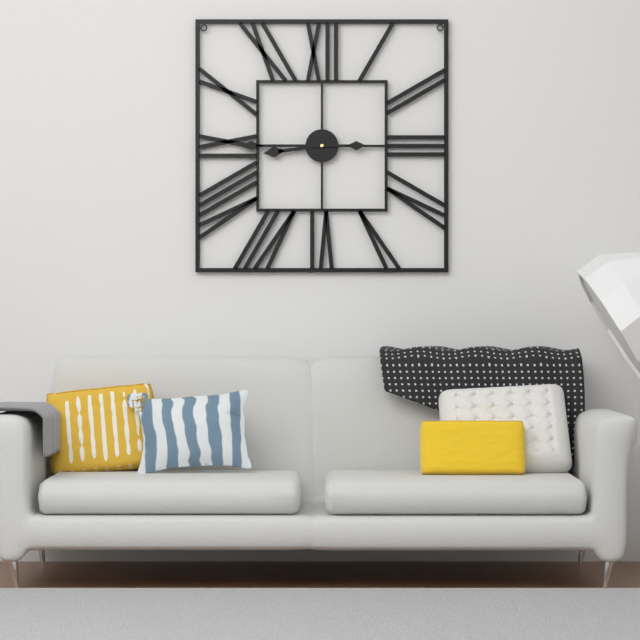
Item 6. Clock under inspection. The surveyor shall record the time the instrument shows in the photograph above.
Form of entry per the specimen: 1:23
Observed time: 8:45
